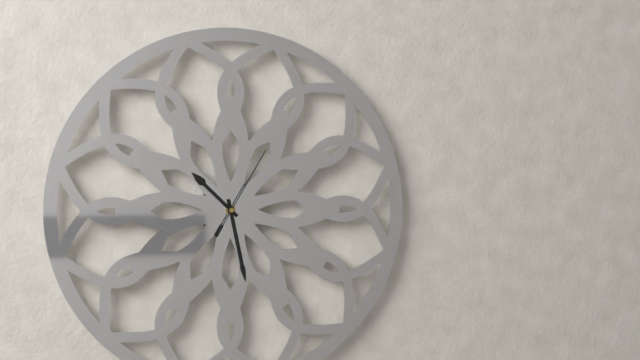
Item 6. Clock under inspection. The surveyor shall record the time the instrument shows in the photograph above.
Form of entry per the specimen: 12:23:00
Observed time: 10:28:05
